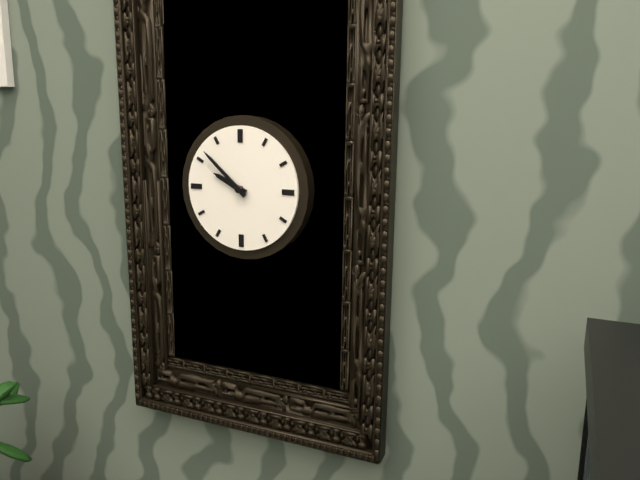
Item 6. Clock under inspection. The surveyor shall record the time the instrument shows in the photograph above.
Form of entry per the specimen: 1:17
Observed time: 9:52
